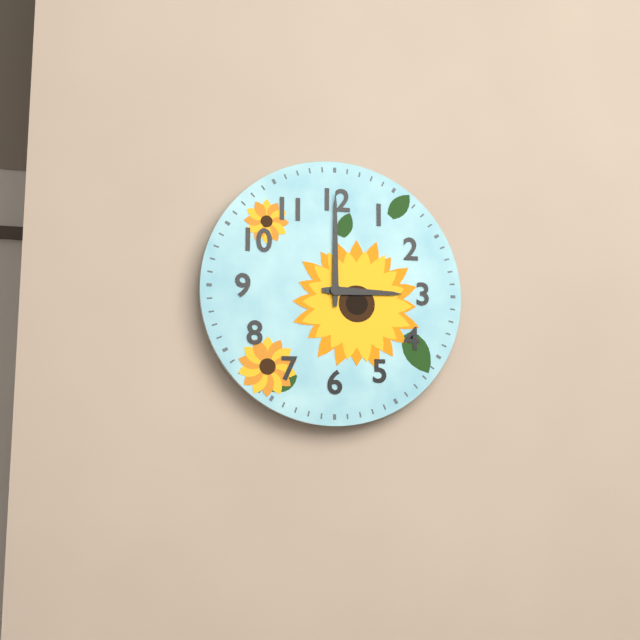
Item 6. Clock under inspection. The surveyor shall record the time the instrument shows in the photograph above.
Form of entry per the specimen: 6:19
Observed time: 3:00
